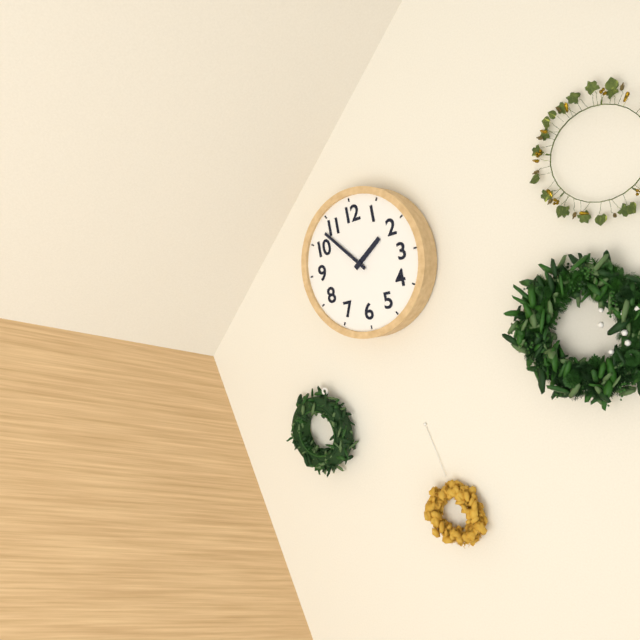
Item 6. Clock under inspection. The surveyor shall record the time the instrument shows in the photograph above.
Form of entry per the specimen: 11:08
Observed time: 1:53
